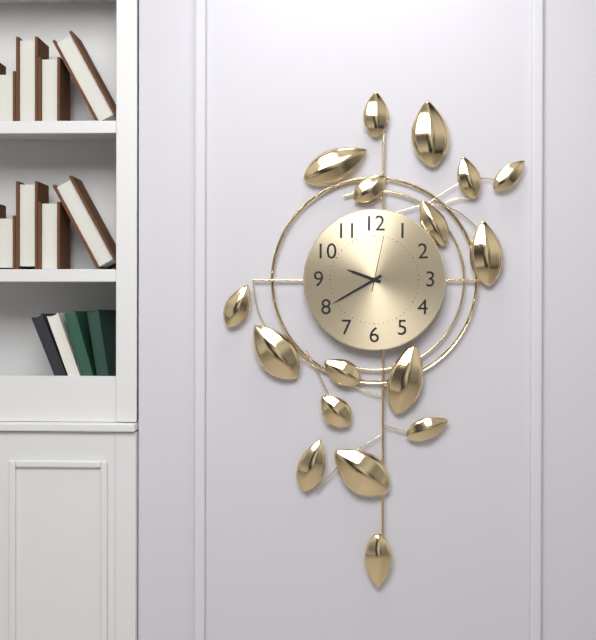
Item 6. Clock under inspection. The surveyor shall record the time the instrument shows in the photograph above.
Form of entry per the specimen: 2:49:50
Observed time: 9:40:02
